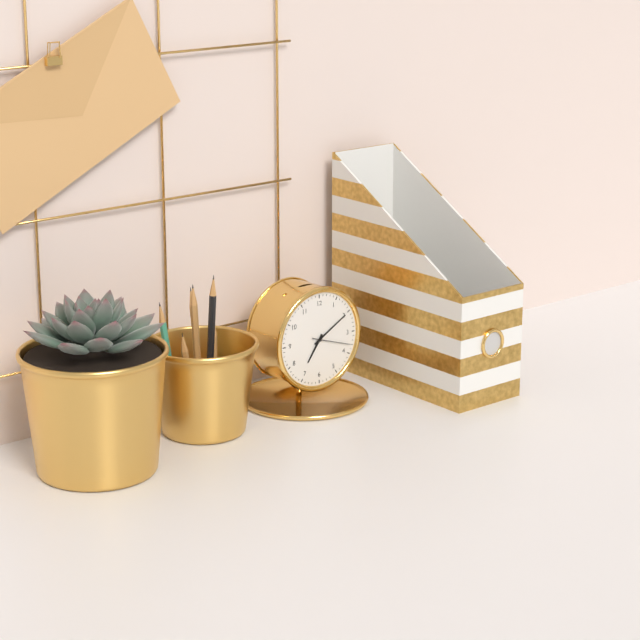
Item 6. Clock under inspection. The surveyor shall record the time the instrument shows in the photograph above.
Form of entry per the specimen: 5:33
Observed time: 7:10
